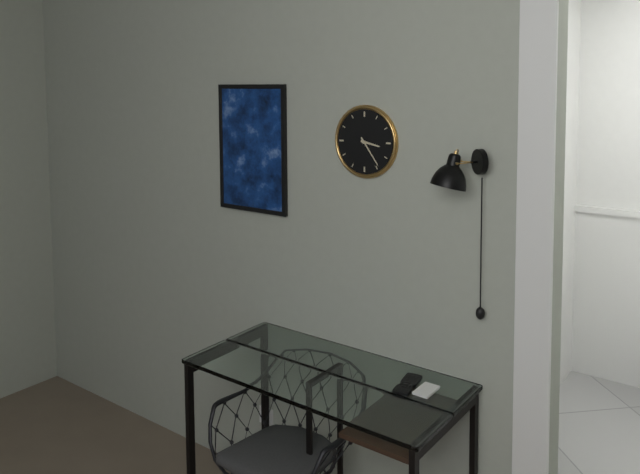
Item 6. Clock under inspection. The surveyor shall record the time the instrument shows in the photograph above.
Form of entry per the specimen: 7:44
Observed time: 3:24
